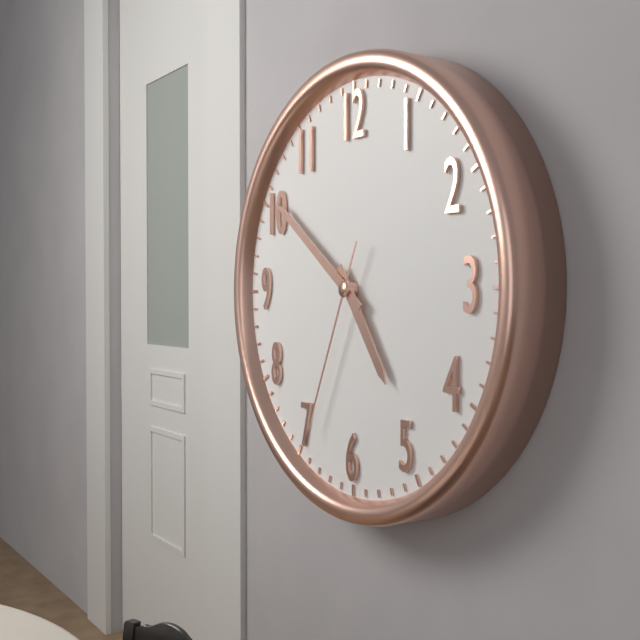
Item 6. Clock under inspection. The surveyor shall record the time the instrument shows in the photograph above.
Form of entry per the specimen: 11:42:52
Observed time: 4:51:34
